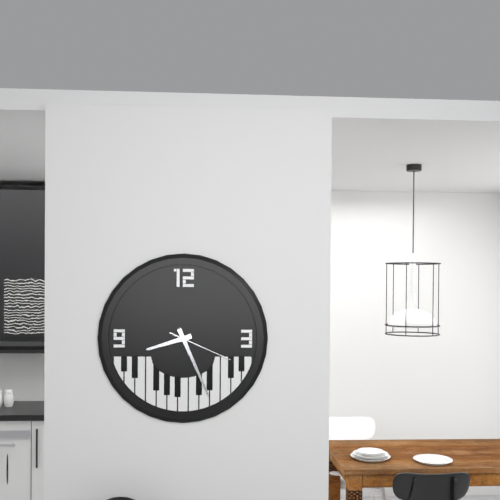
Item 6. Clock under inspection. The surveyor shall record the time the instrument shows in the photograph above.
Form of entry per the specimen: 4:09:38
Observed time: 8:26:19
